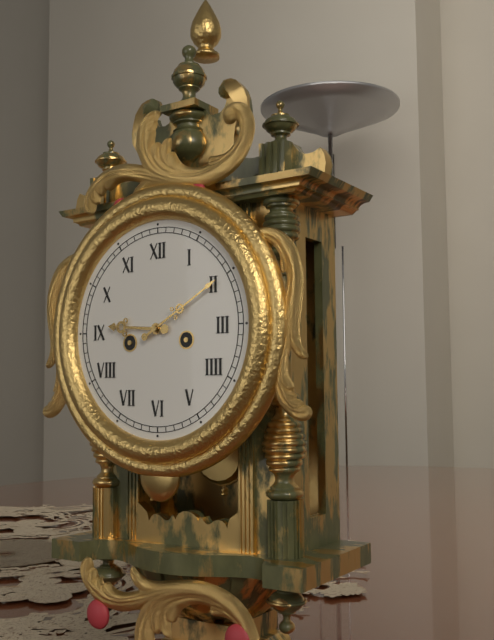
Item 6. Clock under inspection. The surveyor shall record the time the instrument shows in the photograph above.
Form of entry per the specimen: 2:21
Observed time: 9:10
